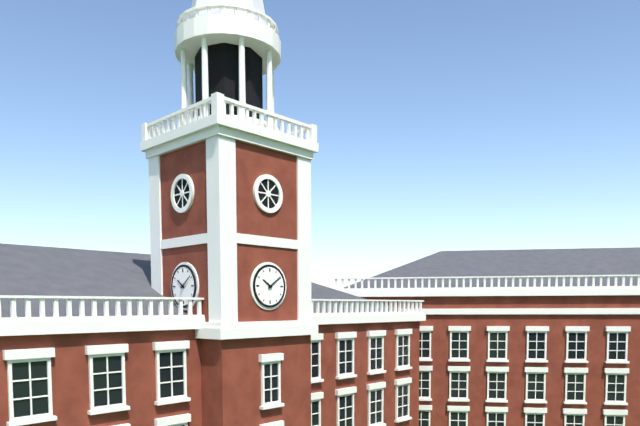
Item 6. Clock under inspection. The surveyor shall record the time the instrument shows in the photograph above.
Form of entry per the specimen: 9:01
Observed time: 10:09
